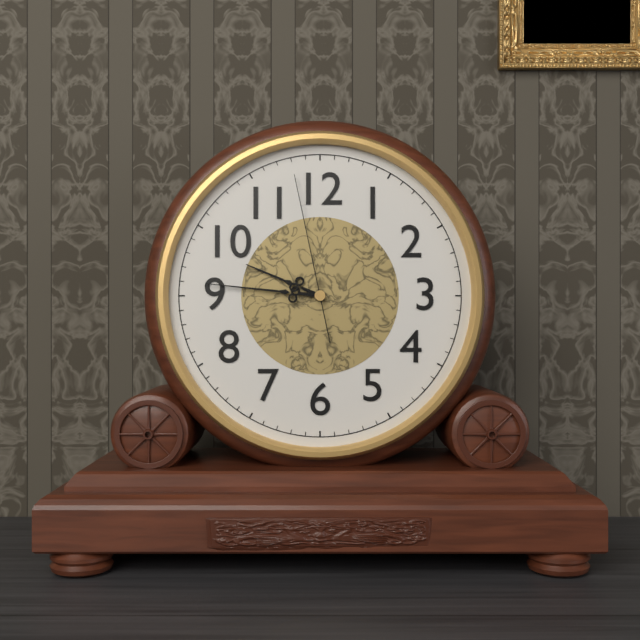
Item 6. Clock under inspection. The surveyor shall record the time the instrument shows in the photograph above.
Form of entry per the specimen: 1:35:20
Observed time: 9:46:58
